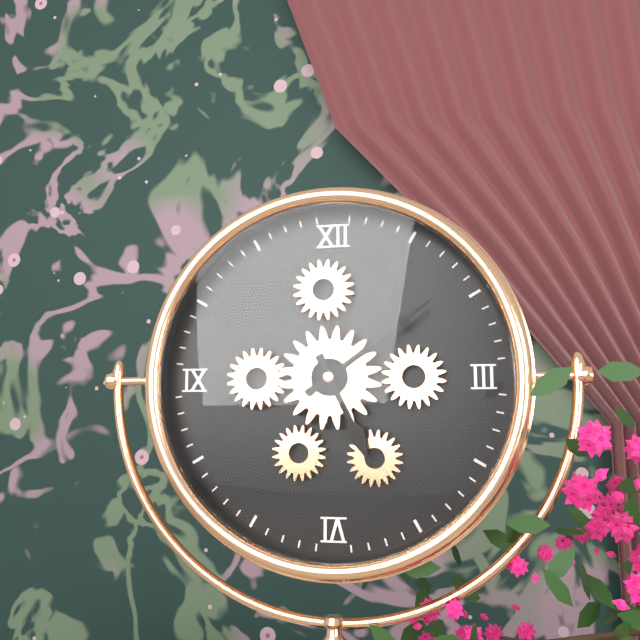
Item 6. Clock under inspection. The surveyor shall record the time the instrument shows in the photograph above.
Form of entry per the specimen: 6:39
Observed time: 5:09
